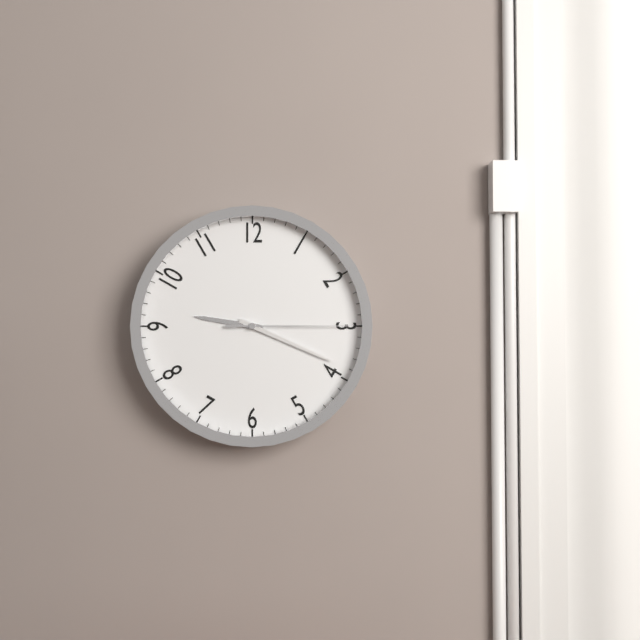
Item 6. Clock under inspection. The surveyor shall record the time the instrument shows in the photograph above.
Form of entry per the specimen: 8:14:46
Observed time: 9:19:15
